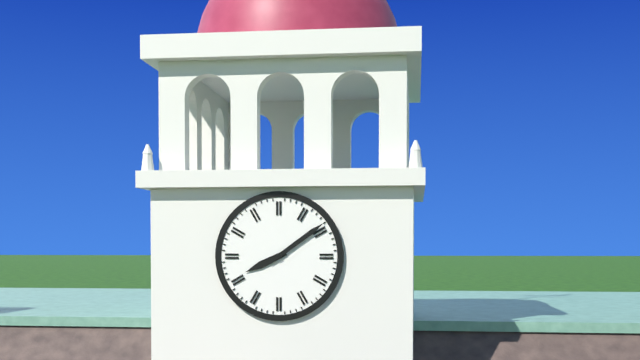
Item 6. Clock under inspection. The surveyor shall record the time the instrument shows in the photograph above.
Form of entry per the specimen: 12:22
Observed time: 8:09
